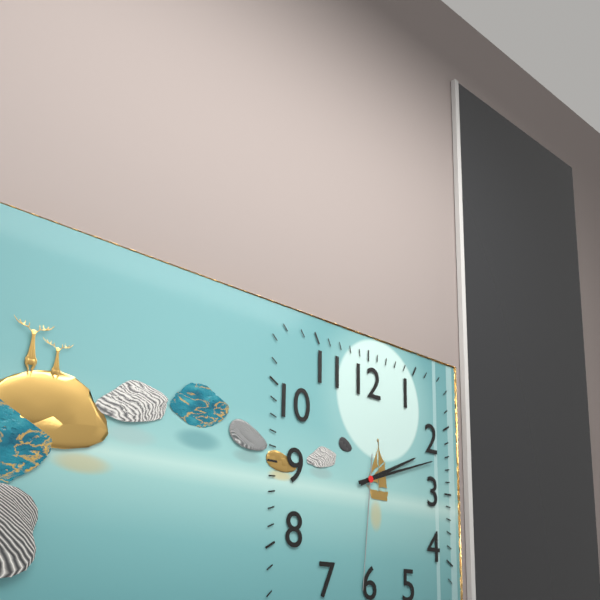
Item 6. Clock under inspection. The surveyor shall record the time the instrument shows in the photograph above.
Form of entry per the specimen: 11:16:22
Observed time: 2:12:31
